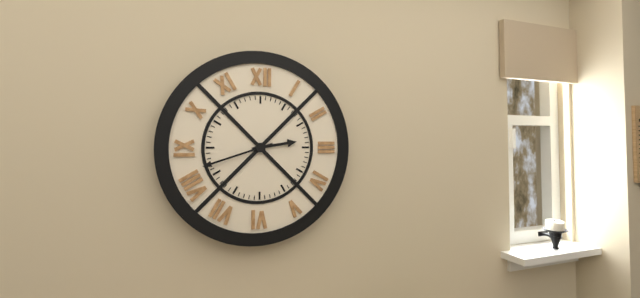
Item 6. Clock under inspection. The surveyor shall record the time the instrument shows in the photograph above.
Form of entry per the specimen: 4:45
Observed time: 2:42
